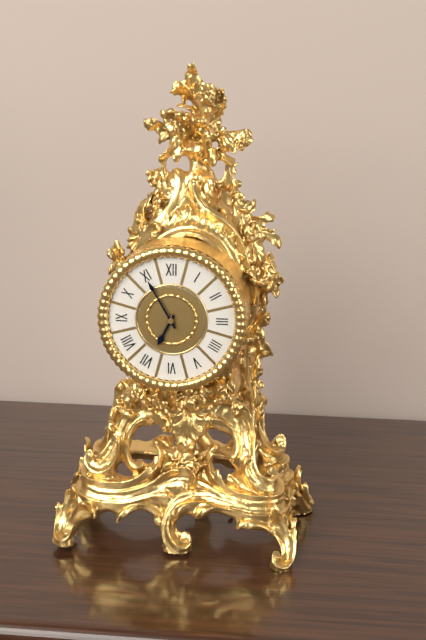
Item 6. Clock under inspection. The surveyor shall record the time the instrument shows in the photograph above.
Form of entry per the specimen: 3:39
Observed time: 6:55
